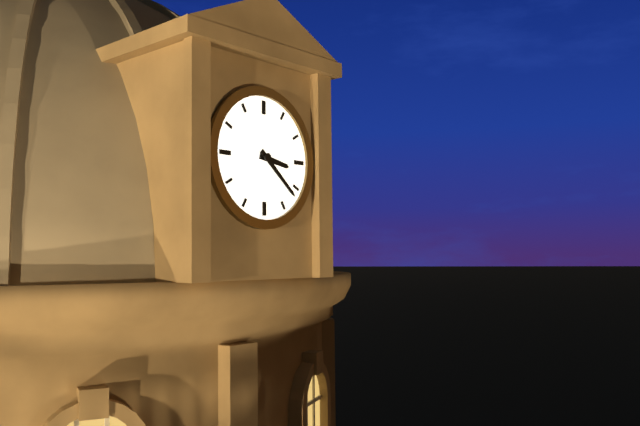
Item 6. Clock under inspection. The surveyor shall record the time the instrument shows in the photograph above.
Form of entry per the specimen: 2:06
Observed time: 3:22
